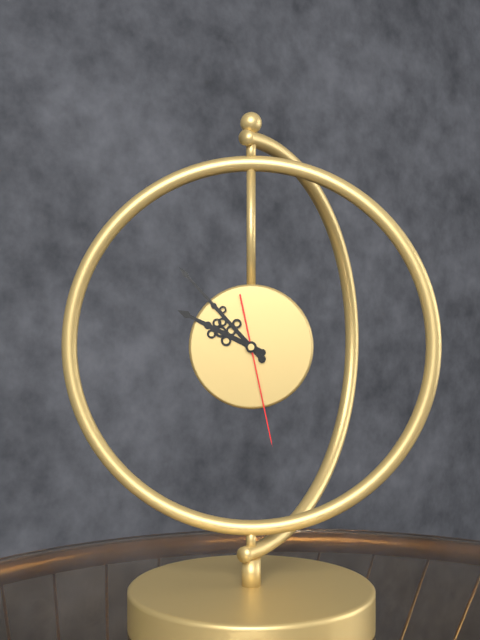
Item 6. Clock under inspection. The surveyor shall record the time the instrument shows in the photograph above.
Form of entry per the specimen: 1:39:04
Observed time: 9:53:28
